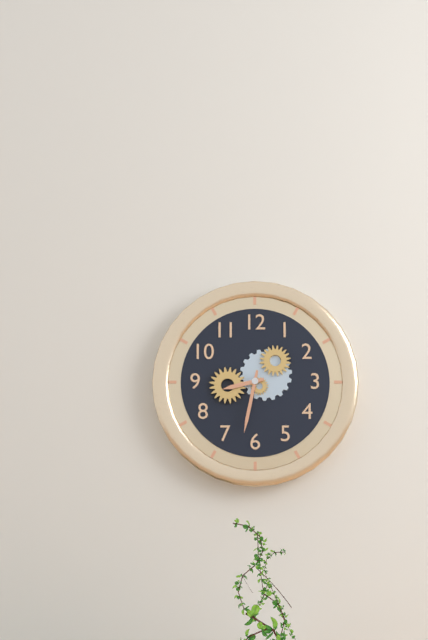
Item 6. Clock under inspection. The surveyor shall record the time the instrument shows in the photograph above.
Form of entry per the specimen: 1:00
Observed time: 8:32
